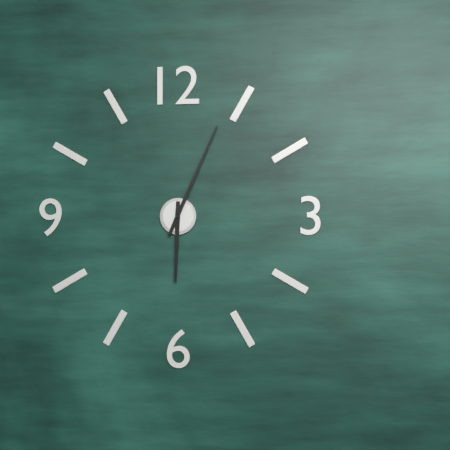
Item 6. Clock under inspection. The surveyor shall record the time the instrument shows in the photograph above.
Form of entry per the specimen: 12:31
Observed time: 6:04
